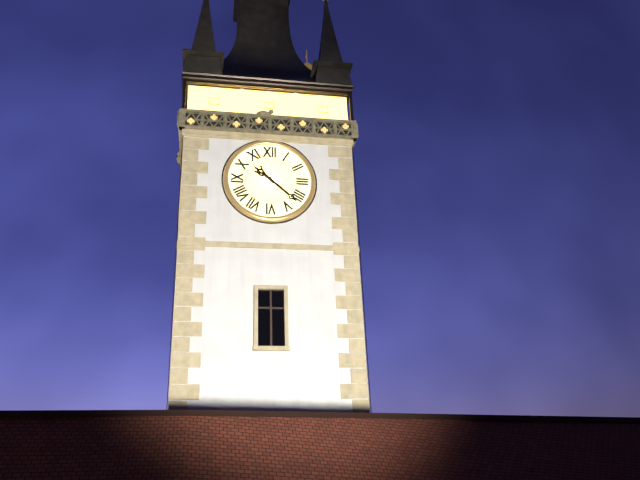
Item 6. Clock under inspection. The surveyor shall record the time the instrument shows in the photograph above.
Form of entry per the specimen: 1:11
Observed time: 10:22
